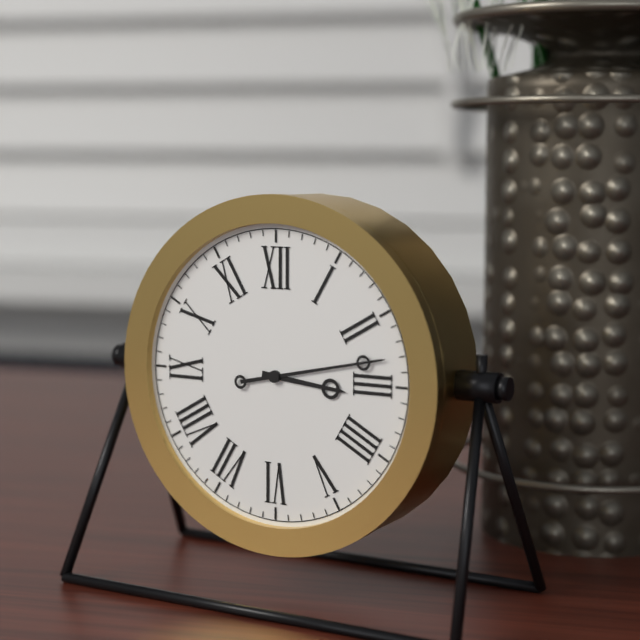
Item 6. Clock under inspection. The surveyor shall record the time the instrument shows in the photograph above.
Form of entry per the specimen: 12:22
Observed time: 3:13
